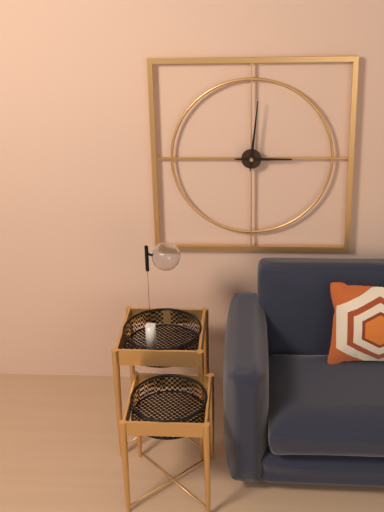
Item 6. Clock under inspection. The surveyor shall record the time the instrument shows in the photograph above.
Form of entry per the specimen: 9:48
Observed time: 3:01
